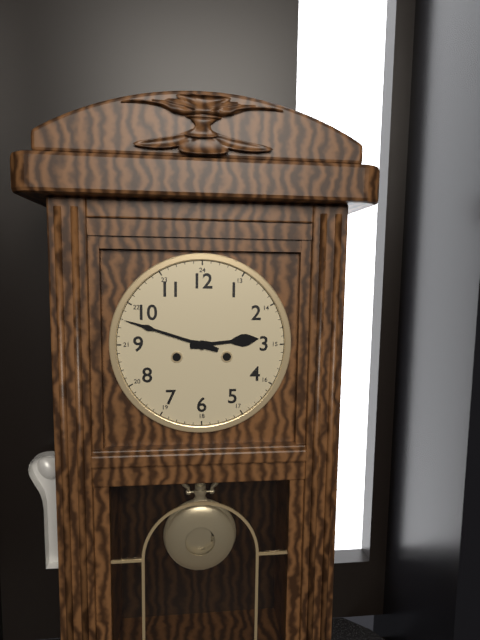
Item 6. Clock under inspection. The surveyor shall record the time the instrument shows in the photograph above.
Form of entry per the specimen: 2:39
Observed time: 2:48
